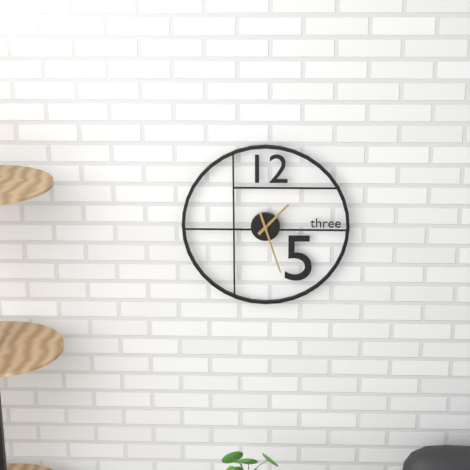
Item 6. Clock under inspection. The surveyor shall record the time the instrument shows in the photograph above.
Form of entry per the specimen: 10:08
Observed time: 1:27
